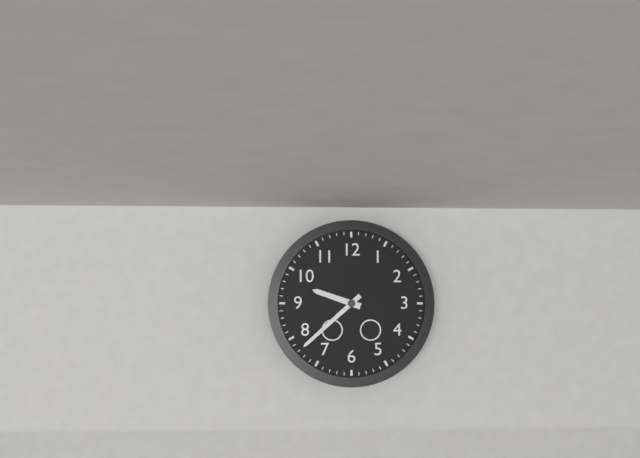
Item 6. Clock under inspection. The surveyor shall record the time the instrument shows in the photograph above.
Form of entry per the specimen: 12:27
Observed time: 9:38
